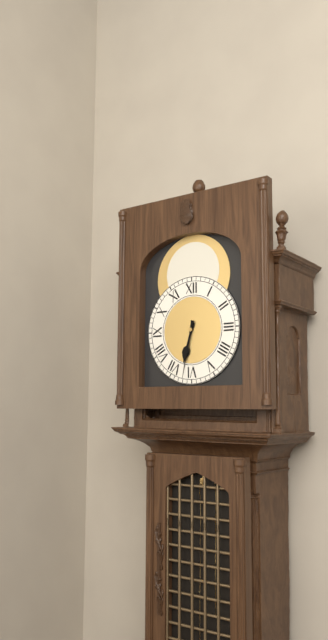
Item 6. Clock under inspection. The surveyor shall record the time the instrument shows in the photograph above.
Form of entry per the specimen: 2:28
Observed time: 6:32
